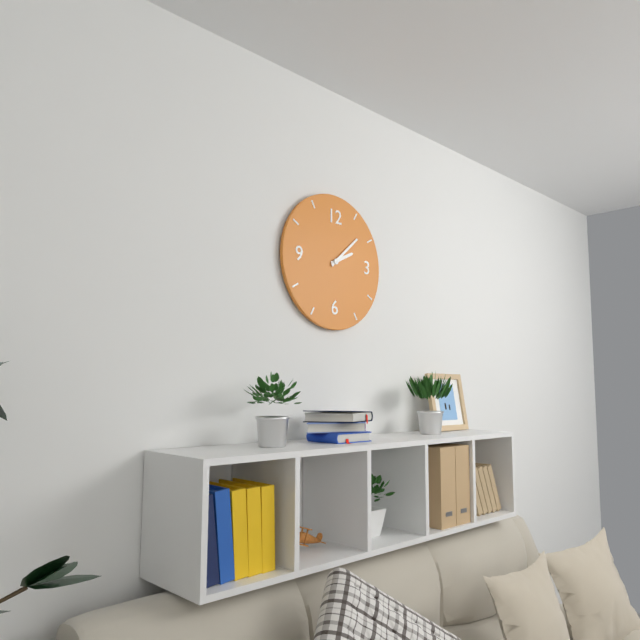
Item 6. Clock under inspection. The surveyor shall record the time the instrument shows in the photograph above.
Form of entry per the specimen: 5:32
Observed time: 2:08
